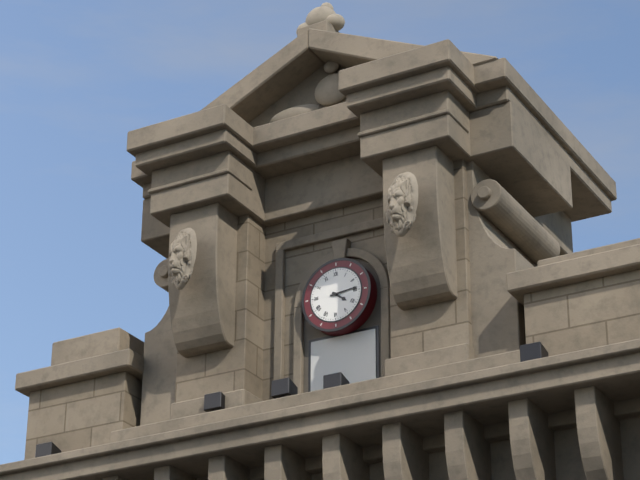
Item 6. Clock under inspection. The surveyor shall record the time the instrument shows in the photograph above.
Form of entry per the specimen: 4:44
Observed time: 4:14
